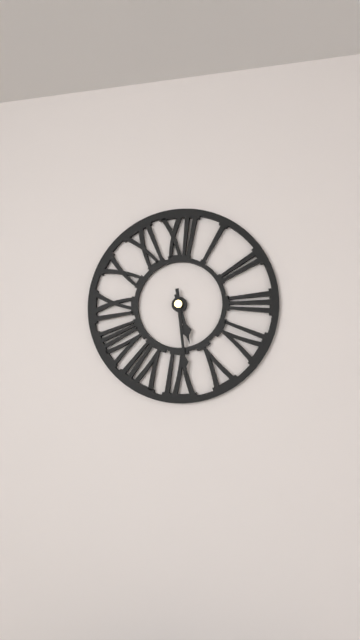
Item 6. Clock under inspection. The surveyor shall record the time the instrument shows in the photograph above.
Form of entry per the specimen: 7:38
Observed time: 5:29
